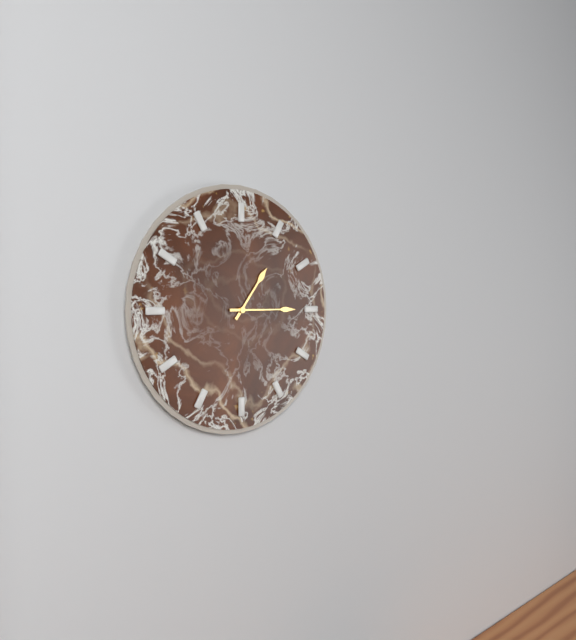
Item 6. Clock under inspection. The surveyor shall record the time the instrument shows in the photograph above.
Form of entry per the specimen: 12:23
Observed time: 1:15
